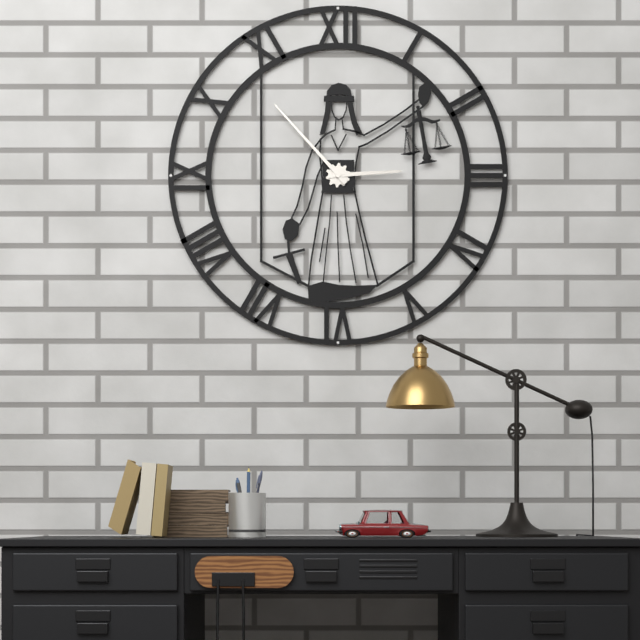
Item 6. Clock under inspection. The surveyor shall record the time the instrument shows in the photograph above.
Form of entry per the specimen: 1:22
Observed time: 2:53
